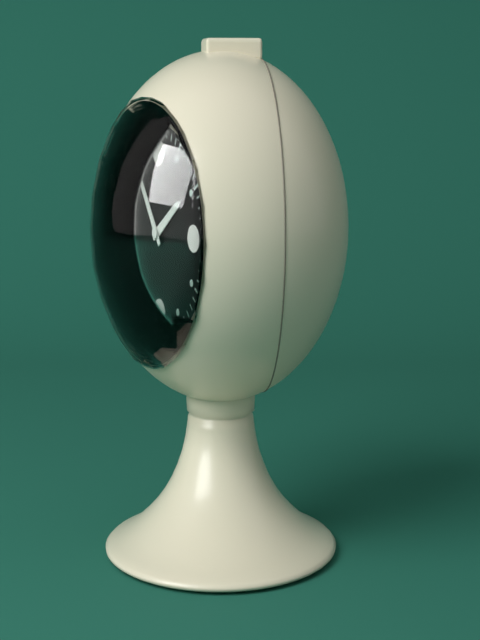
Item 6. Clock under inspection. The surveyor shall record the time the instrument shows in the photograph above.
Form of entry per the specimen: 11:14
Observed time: 1:54
